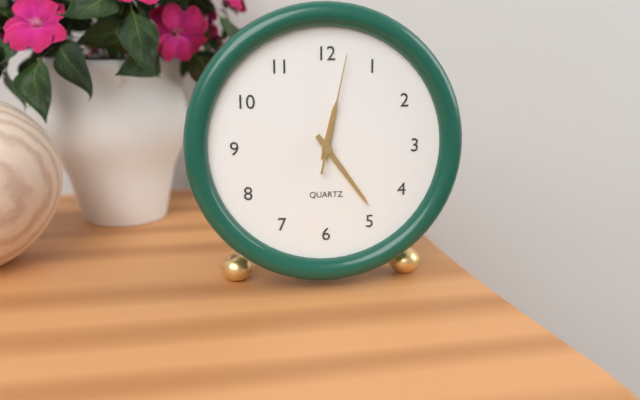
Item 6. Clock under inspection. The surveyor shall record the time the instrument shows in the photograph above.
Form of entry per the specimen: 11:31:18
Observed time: 12:24:02
